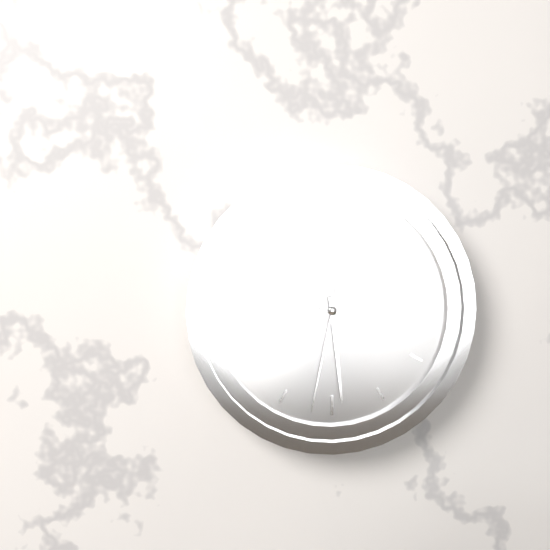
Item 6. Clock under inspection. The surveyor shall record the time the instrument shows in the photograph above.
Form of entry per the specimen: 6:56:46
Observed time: 3:29:32
